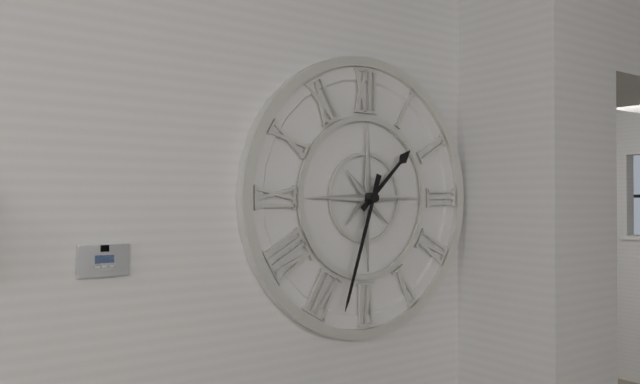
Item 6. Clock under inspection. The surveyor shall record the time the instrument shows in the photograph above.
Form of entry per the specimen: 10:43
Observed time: 1:33
